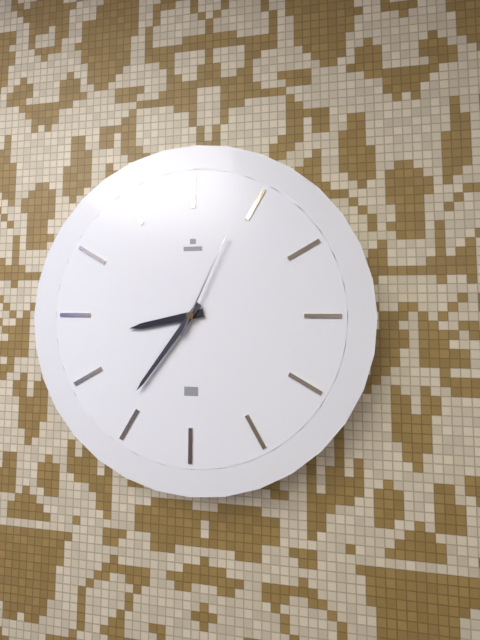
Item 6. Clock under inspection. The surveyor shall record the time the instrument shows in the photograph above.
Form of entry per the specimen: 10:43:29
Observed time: 8:36:04
